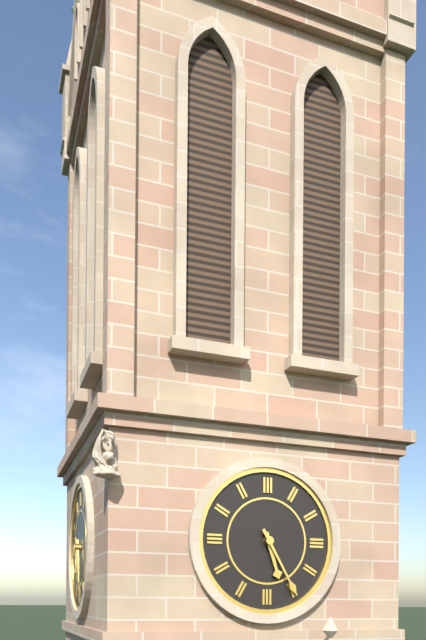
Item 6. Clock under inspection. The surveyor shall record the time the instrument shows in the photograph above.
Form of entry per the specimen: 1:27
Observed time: 5:25
